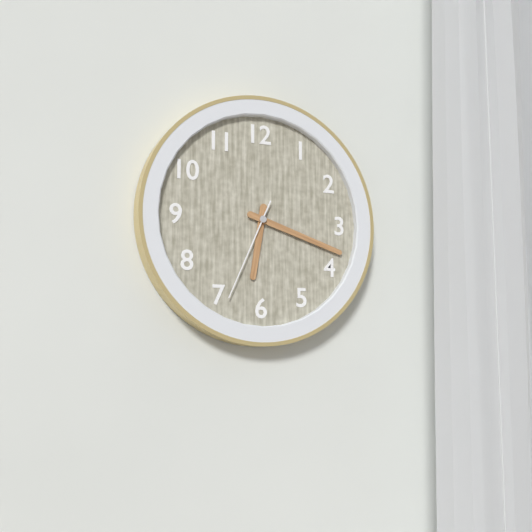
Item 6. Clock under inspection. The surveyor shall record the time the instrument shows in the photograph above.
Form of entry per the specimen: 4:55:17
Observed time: 6:18:34
